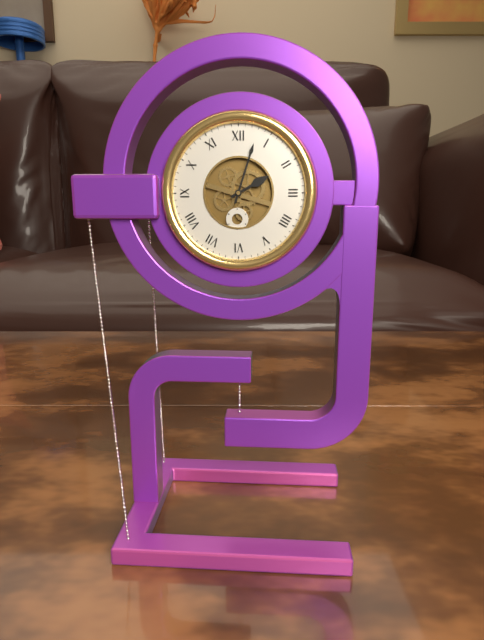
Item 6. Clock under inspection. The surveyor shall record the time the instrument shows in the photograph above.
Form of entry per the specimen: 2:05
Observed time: 2:03
